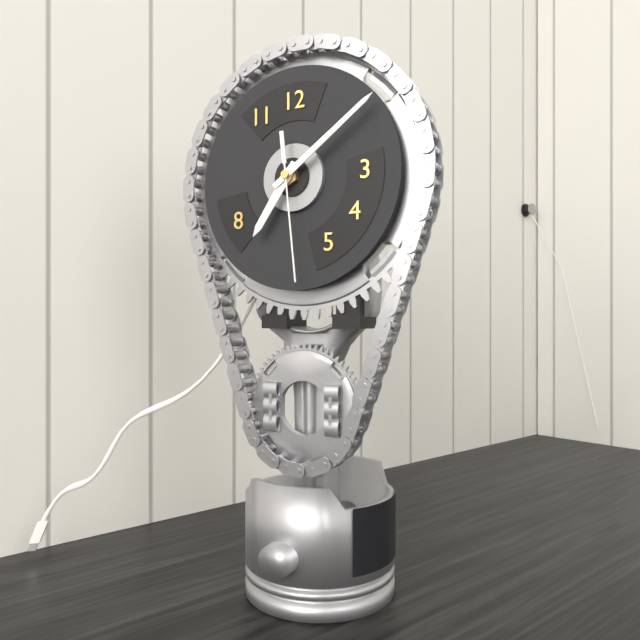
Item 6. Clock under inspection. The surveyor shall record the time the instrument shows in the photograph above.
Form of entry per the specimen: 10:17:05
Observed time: 7:09:29
